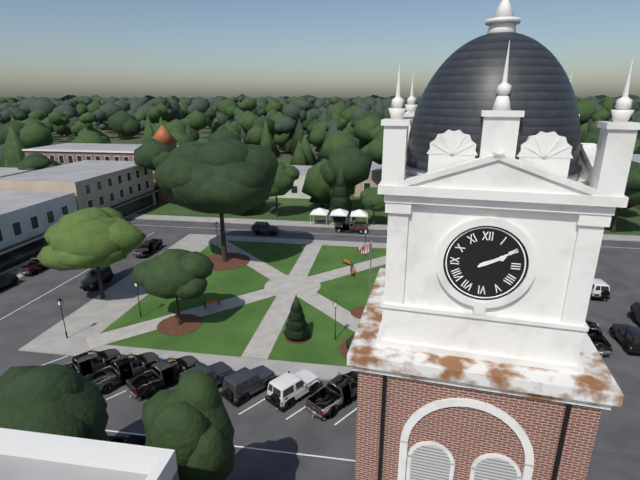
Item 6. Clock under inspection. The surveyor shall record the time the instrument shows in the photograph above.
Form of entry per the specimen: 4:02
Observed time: 2:10
